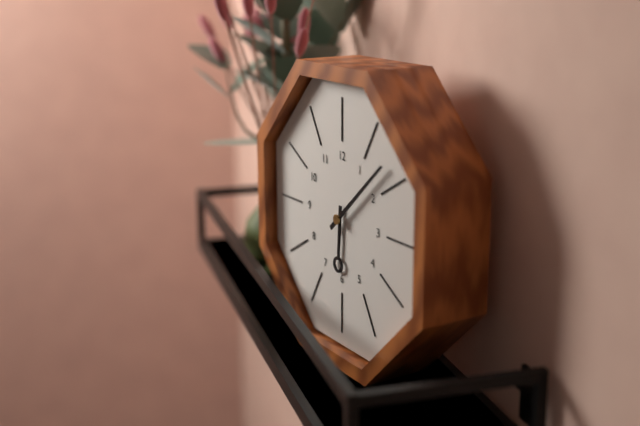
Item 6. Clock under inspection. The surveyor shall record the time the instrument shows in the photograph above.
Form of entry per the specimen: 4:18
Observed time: 6:08
